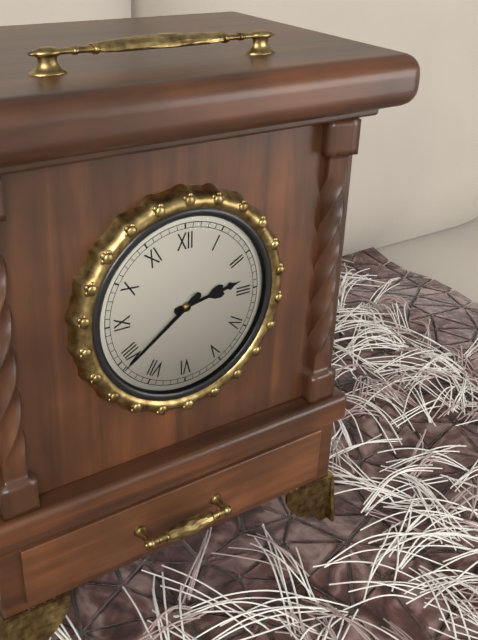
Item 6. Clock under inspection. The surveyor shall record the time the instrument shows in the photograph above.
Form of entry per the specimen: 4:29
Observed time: 2:39
